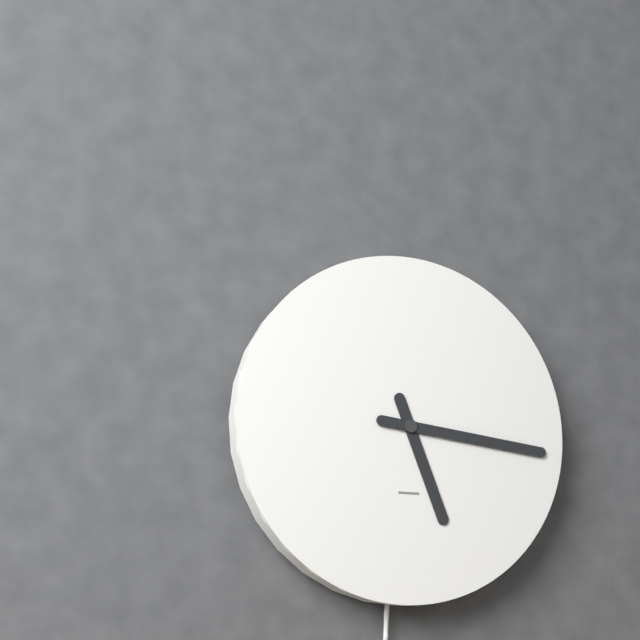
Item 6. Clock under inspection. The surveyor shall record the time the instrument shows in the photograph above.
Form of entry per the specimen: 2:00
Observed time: 5:16
